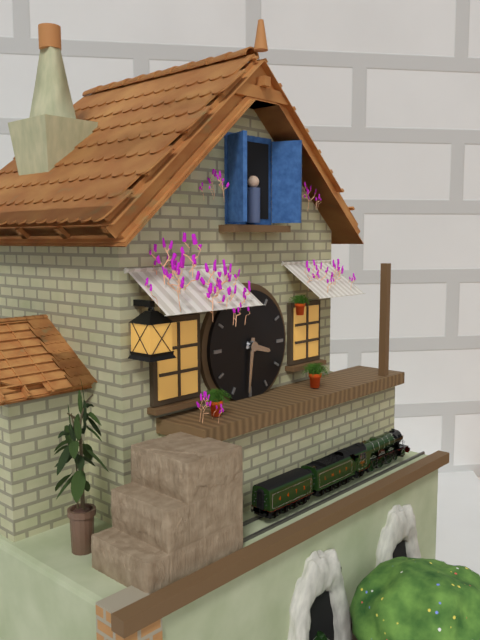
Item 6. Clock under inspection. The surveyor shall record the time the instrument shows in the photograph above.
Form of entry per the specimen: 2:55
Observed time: 3:31
